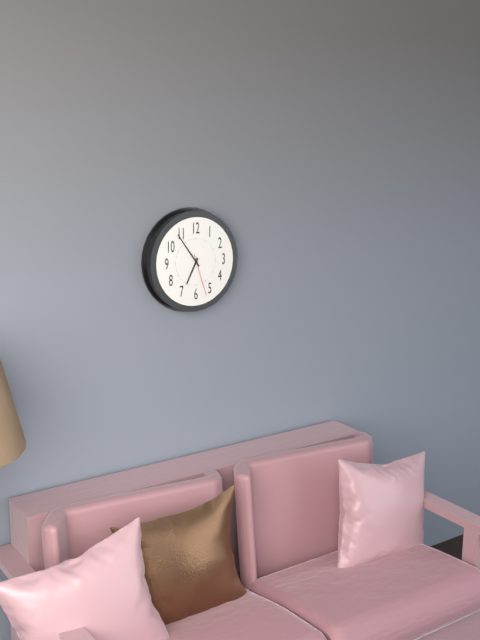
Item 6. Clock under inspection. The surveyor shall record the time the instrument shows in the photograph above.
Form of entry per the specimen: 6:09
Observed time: 6:54
